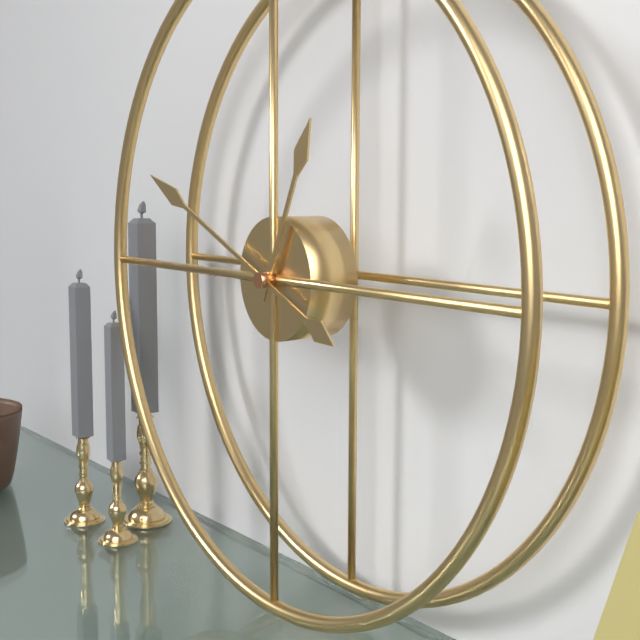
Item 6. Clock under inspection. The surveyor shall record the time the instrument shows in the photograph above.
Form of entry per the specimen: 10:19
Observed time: 12:49
